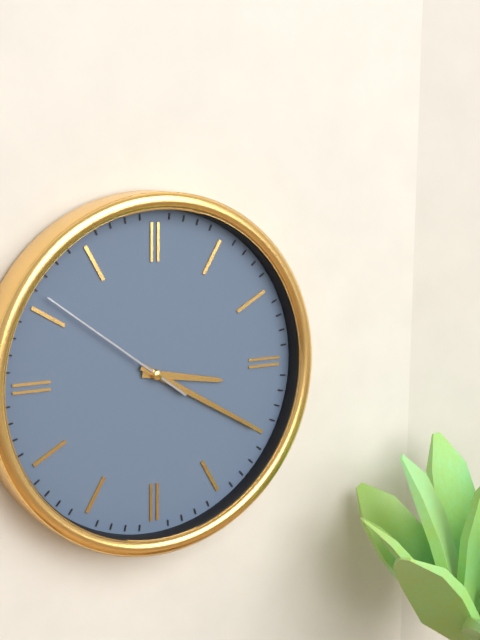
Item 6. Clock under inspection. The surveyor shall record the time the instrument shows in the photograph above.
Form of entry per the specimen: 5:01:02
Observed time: 3:20:51
